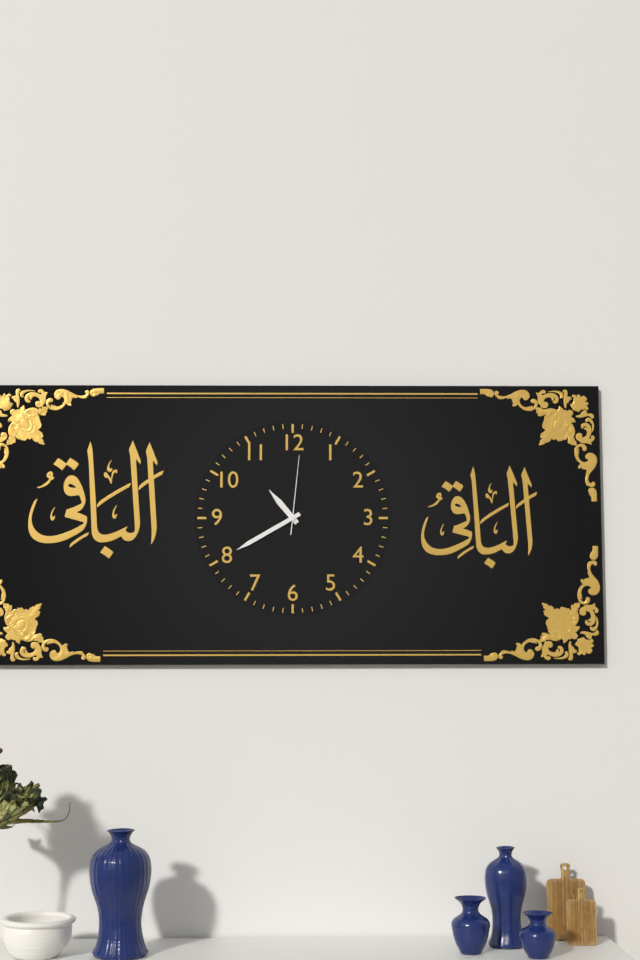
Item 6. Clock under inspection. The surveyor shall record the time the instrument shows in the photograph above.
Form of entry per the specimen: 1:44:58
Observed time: 10:40:01
